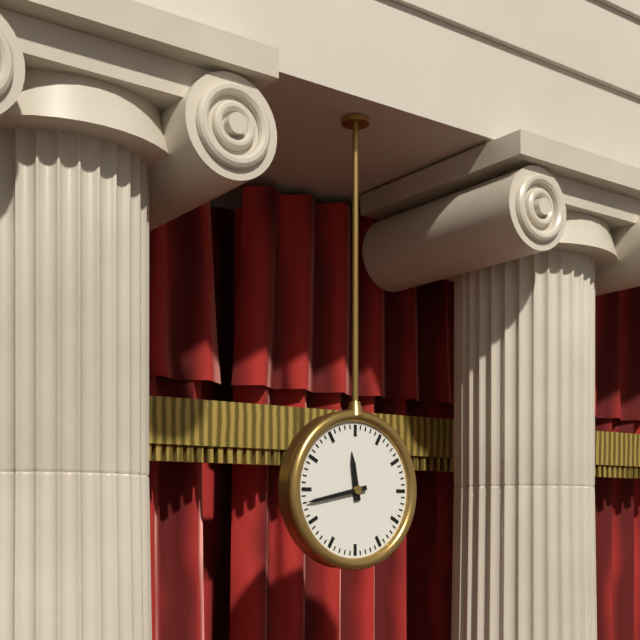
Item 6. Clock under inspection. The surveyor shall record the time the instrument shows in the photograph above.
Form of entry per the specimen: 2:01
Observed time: 11:43
